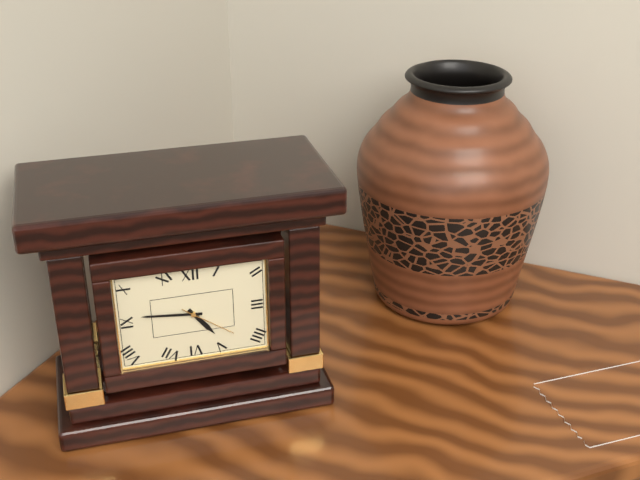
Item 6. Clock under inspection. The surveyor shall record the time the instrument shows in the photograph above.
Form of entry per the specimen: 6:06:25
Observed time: 4:46:21
